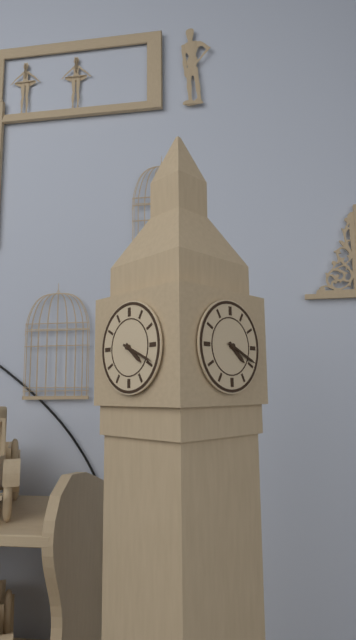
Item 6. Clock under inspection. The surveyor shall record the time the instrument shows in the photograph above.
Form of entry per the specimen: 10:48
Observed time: 4:19
